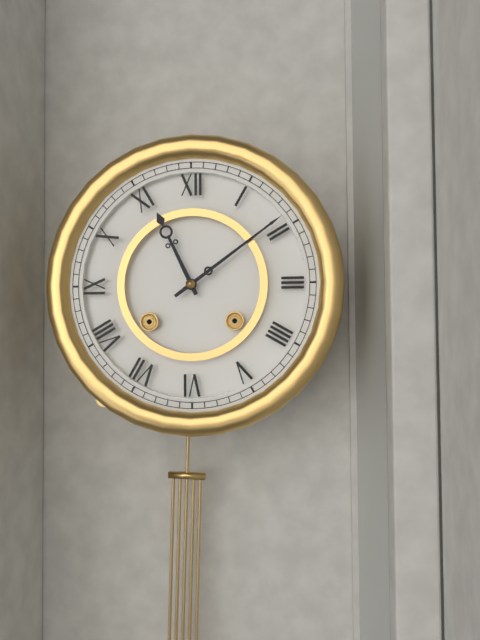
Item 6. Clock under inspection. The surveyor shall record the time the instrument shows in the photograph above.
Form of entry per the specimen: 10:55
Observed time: 11:09
